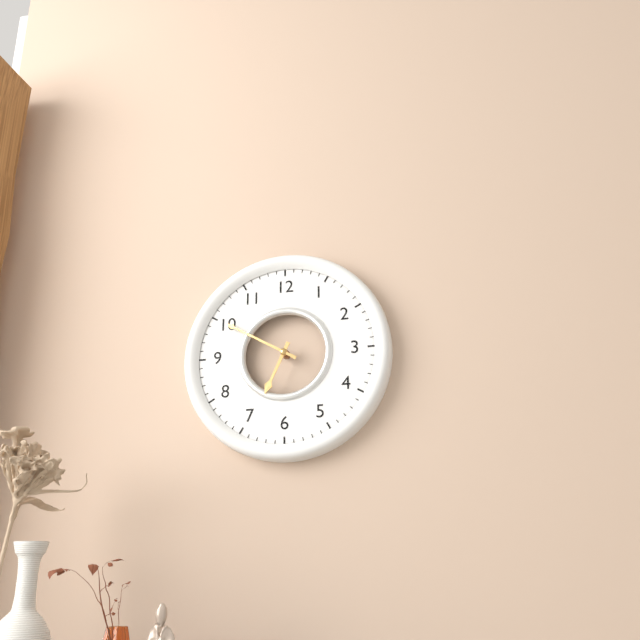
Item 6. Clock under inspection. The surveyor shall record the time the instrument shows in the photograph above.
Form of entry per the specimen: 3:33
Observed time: 6:50
